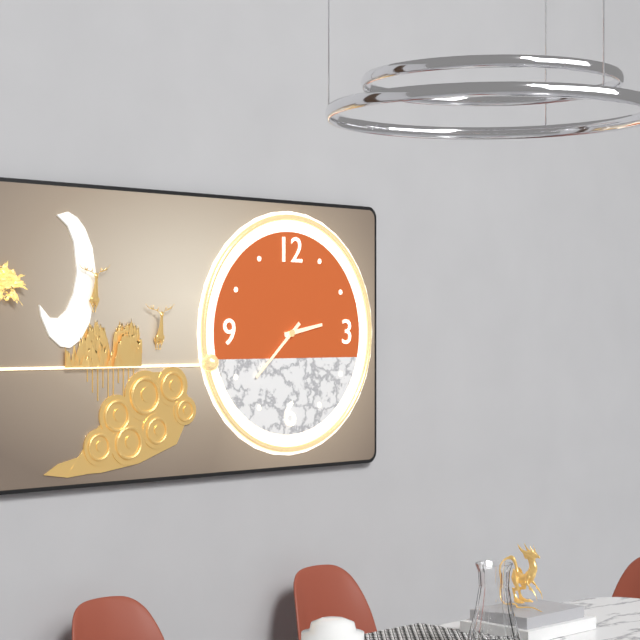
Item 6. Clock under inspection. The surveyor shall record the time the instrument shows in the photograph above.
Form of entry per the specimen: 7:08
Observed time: 2:38
